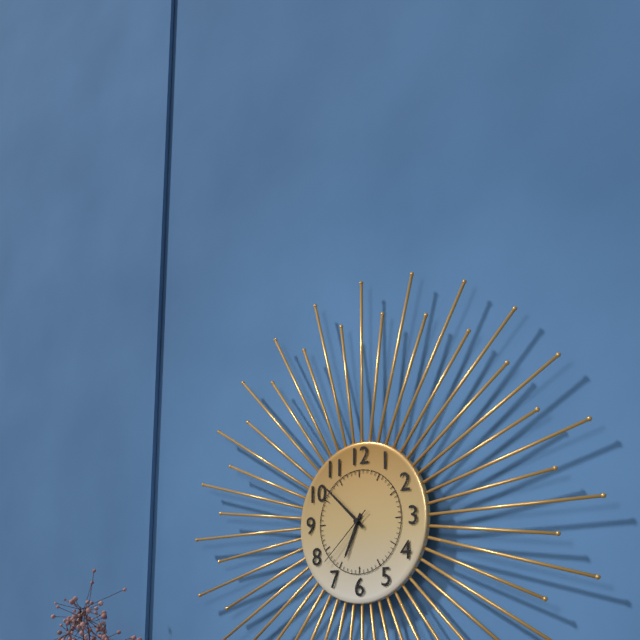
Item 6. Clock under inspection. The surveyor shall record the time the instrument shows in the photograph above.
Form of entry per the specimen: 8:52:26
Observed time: 6:52:38
